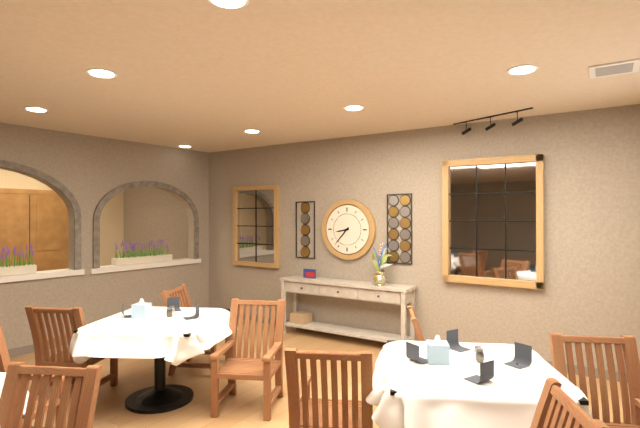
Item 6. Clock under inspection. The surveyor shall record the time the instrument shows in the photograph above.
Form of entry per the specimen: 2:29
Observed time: 8:37
